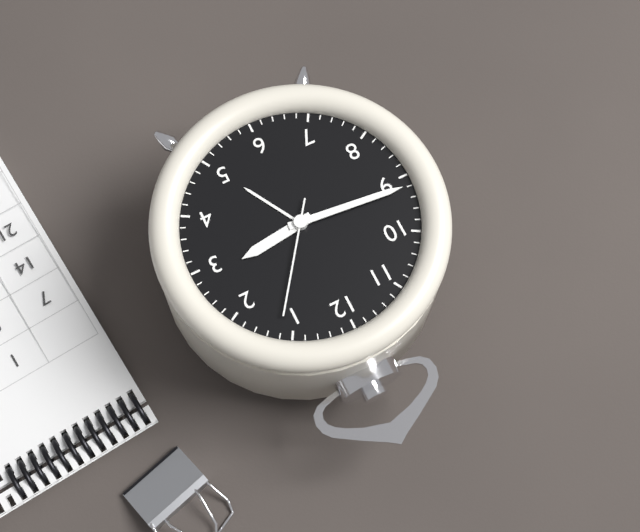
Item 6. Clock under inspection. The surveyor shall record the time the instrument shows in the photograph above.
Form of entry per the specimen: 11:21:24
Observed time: 2:46:06
